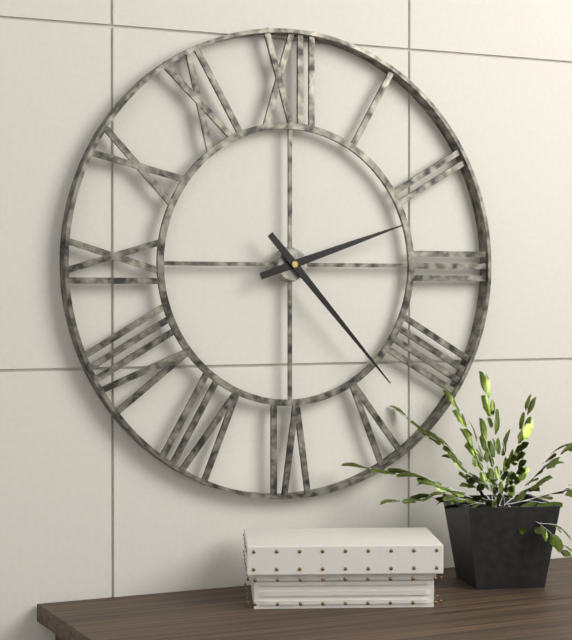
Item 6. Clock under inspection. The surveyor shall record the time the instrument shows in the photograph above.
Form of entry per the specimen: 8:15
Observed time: 2:23
